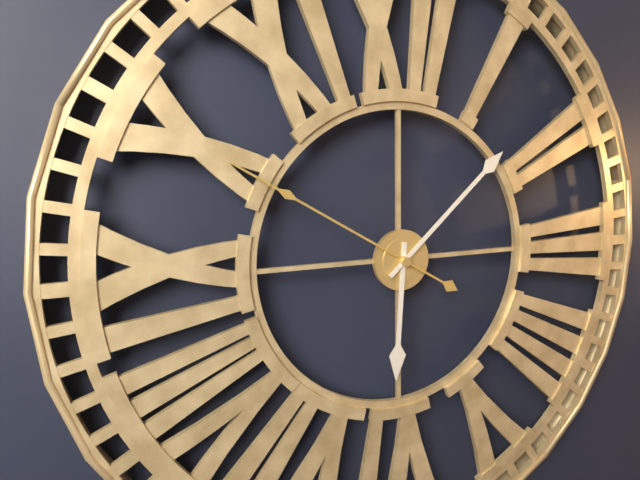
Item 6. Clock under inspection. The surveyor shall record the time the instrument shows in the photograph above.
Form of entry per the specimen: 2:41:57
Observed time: 6:08:50
